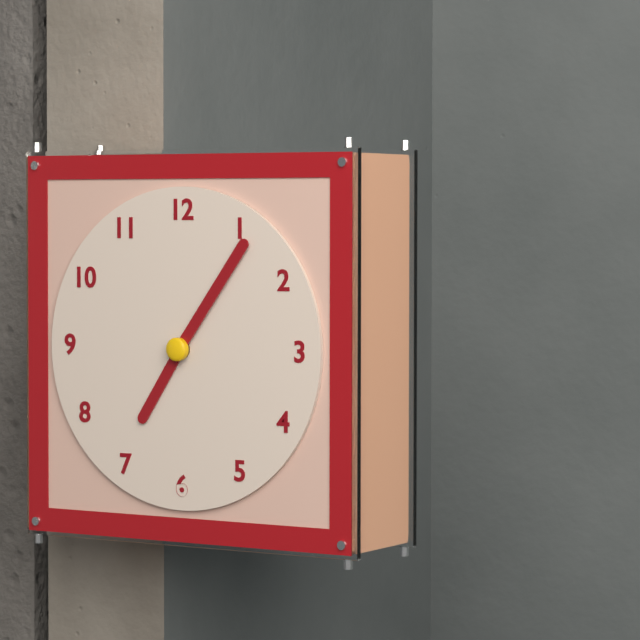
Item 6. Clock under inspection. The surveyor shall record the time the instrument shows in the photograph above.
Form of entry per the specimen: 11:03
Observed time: 7:06
